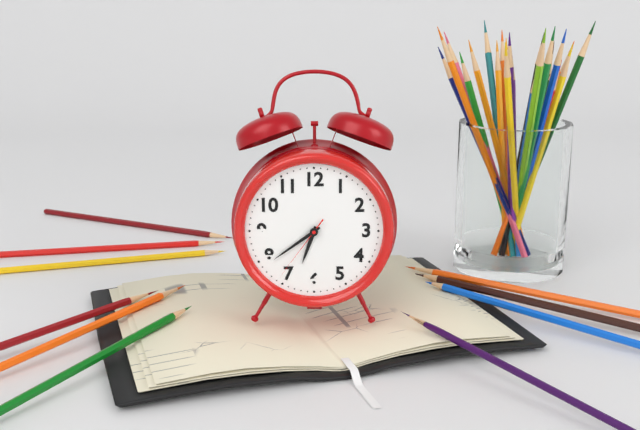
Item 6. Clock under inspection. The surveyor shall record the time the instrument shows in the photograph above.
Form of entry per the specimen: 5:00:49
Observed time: 6:39:36
